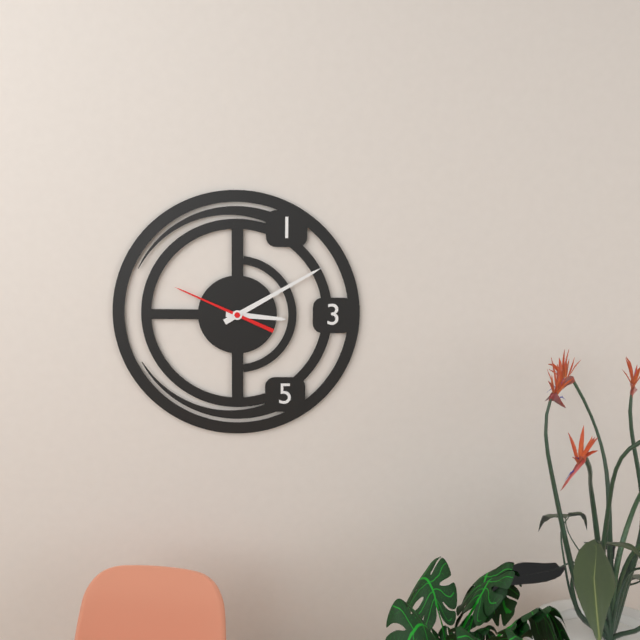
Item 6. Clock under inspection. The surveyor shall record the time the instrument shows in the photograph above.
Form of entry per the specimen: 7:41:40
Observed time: 3:10:49
